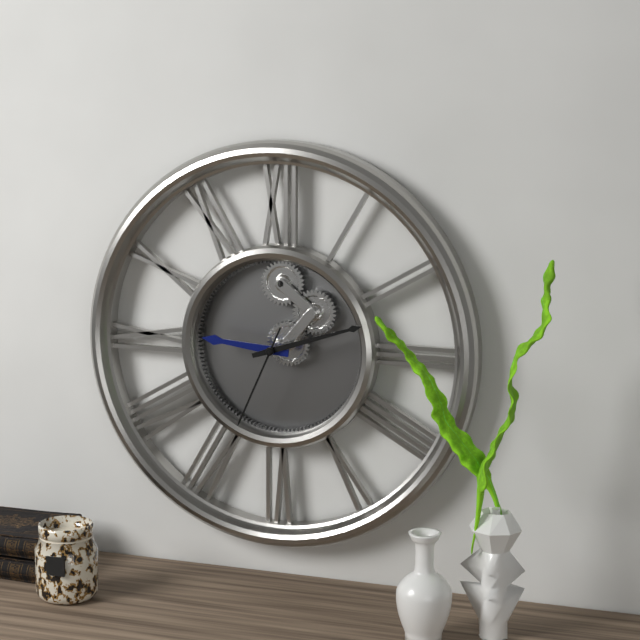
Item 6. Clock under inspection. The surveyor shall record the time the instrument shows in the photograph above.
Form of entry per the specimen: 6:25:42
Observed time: 9:12:34
